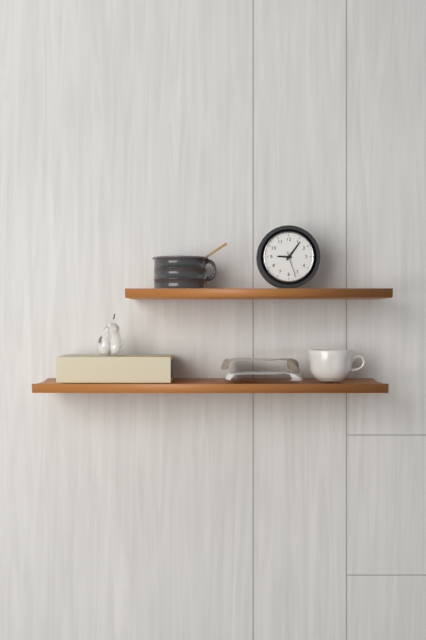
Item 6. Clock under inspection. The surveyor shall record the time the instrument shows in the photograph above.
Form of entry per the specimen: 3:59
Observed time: 9:06
